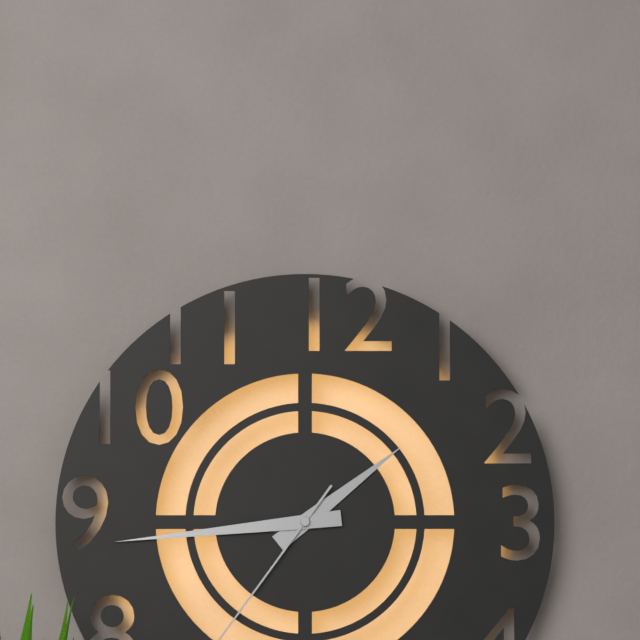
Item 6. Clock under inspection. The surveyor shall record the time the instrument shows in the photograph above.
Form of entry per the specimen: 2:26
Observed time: 1:44
